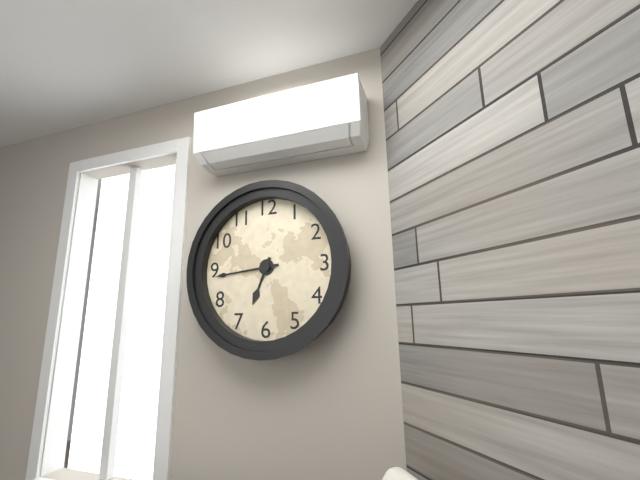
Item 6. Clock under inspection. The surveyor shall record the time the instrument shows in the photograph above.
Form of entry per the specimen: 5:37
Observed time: 6:44
